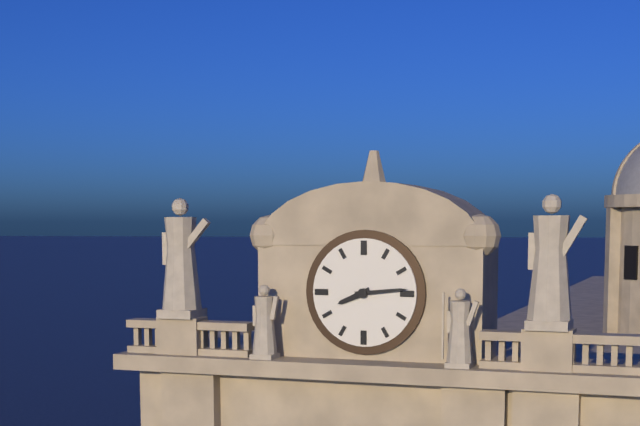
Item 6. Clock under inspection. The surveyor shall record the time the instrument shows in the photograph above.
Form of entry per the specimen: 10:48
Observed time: 8:14
